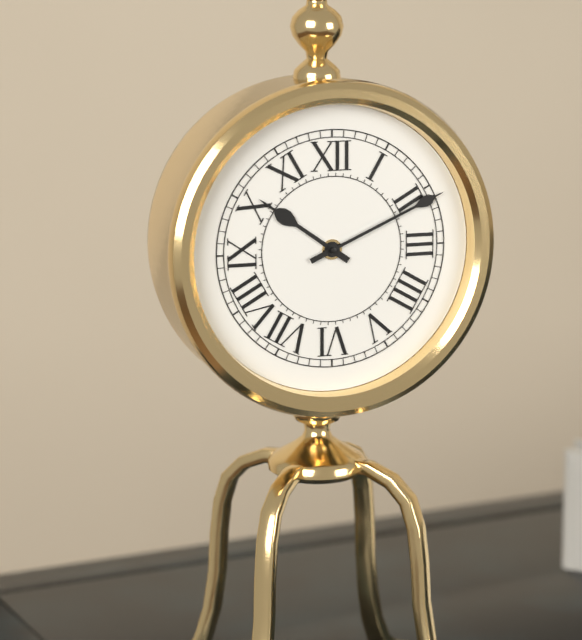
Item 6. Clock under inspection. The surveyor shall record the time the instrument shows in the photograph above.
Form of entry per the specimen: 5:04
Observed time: 10:11
